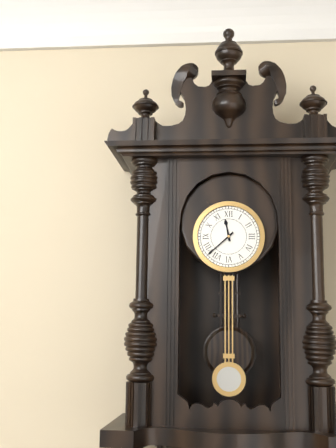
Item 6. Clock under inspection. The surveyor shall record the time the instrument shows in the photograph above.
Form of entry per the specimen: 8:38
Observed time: 11:38
